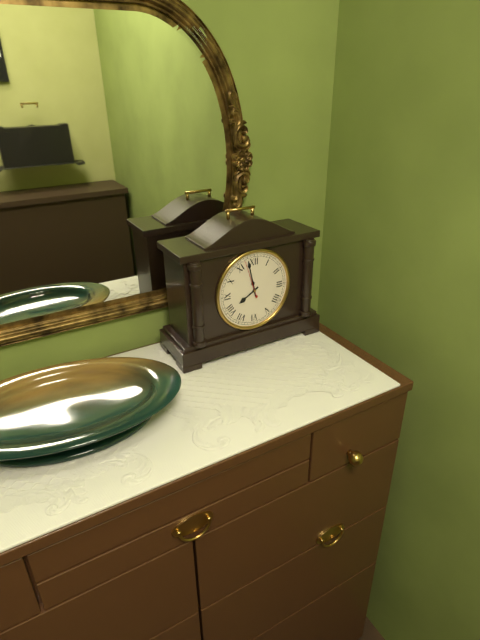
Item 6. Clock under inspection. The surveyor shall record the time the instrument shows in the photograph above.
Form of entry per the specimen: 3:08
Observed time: 7:58
